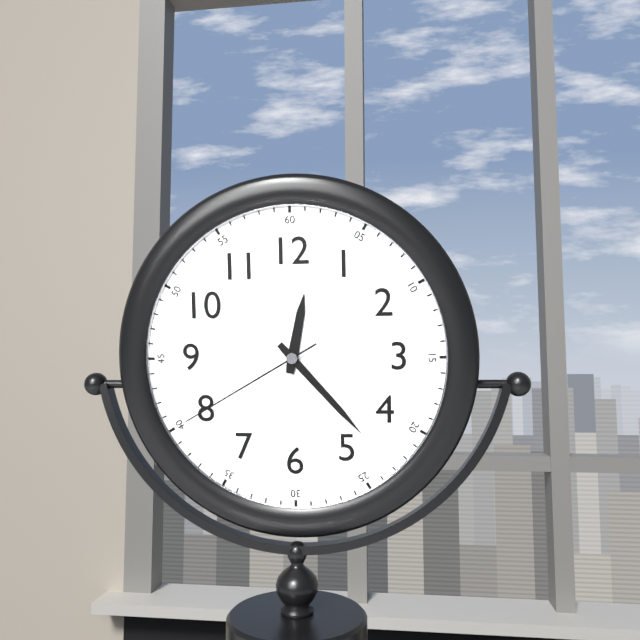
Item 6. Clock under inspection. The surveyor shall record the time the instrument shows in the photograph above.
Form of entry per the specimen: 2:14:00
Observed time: 12:23:40
